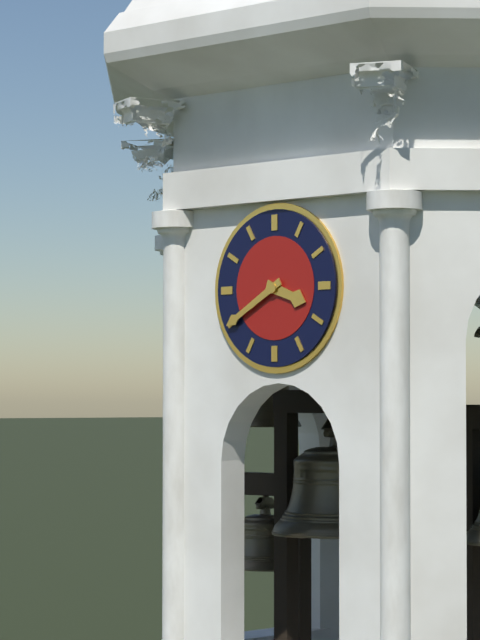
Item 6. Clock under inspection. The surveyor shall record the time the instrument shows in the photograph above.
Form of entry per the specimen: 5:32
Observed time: 3:40
